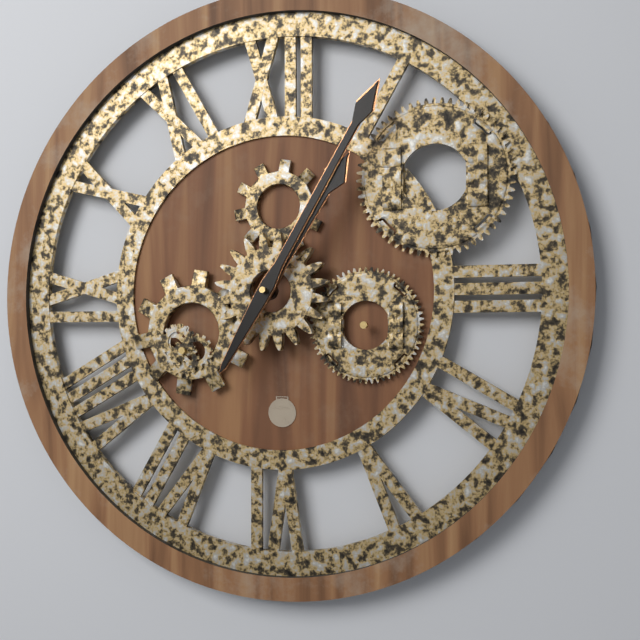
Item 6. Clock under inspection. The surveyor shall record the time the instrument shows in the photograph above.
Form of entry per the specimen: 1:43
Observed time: 1:05
